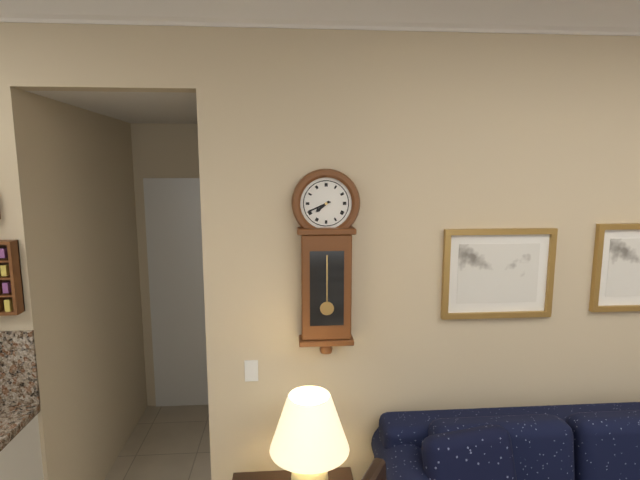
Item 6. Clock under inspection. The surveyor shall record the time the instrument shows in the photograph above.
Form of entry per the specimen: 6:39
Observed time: 7:41
